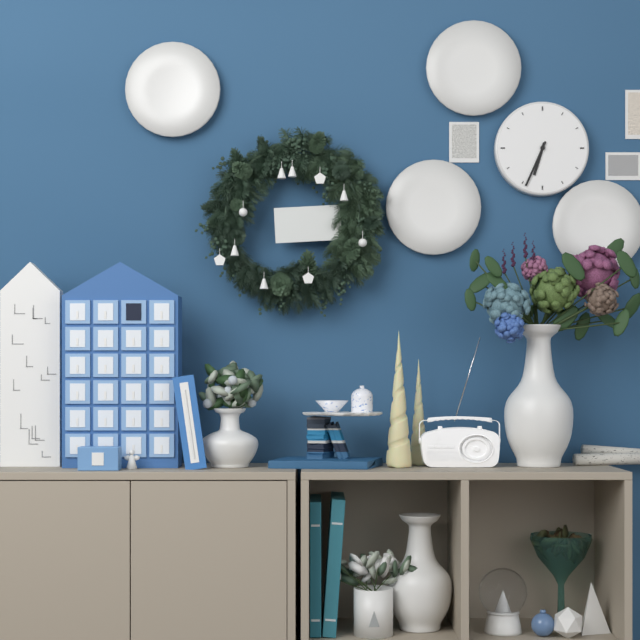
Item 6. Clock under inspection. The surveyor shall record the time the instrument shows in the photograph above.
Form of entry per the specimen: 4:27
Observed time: 6:34
